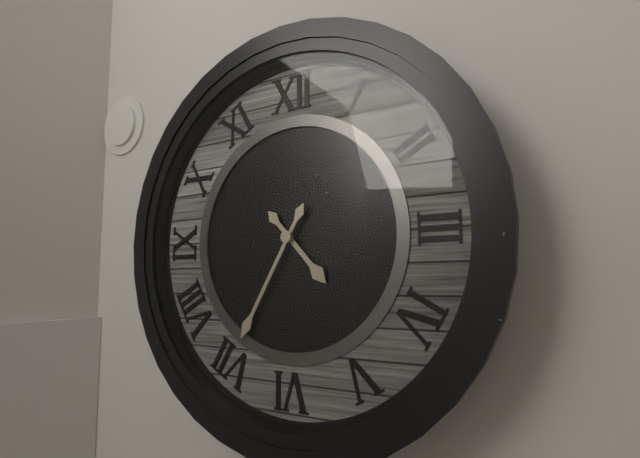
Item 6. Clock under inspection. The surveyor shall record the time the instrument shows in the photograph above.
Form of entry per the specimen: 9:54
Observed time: 4:35
